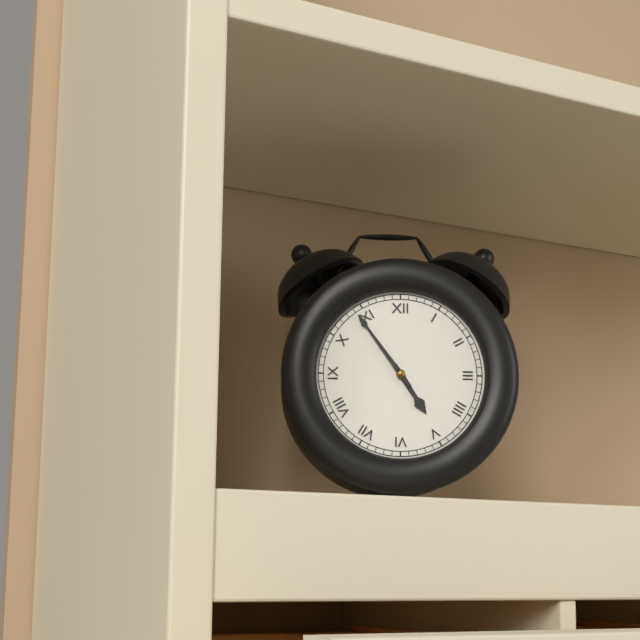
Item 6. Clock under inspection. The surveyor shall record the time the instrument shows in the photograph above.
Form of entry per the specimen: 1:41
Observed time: 4:54
